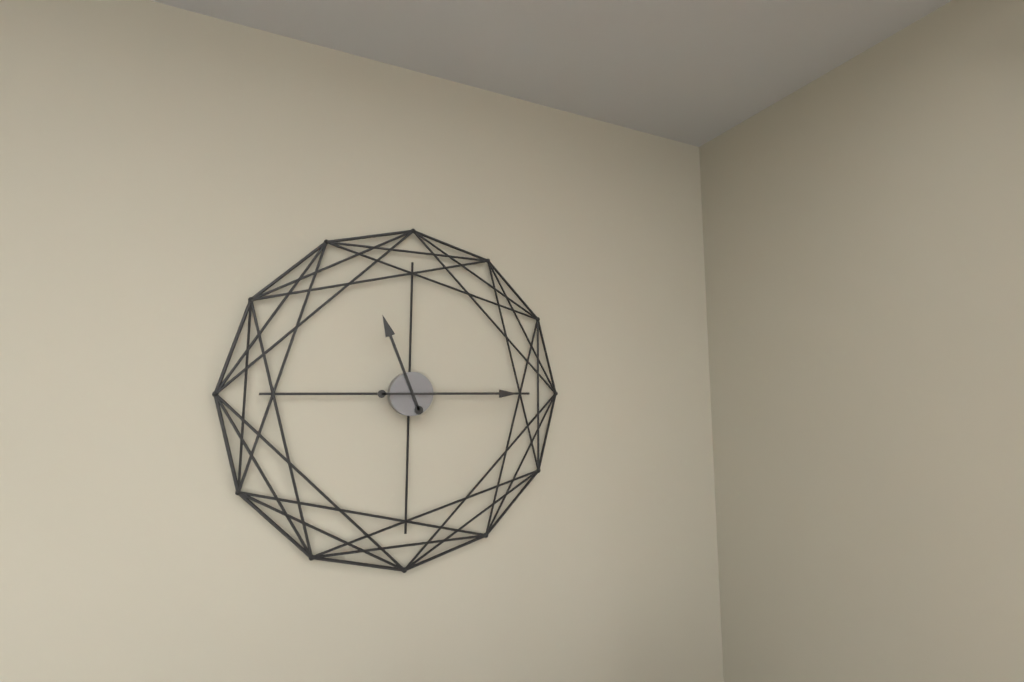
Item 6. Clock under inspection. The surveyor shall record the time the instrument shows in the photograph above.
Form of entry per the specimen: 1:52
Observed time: 11:15
